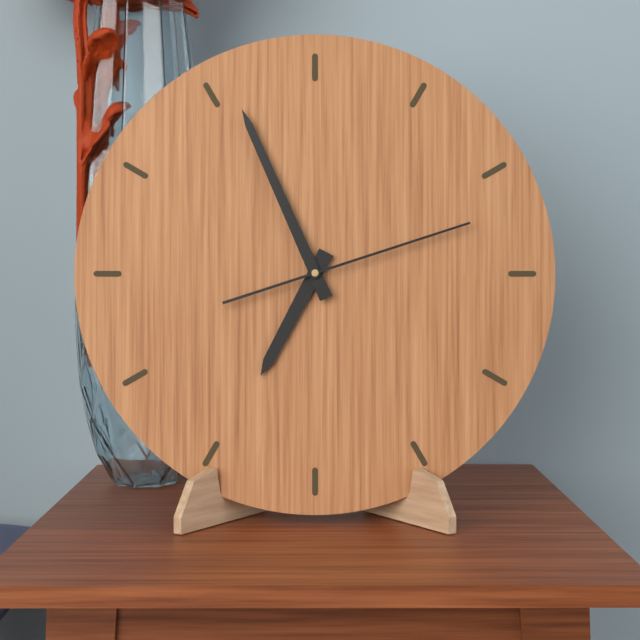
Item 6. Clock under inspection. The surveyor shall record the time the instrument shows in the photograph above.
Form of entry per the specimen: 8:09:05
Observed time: 6:56:12
